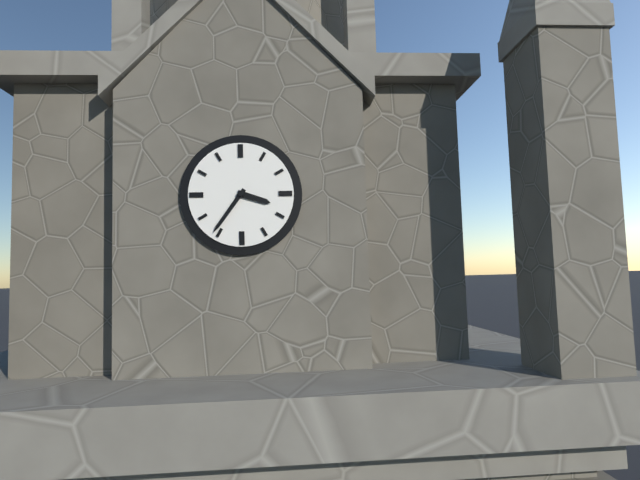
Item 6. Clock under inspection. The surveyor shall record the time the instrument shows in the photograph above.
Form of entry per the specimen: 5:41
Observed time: 3:36
